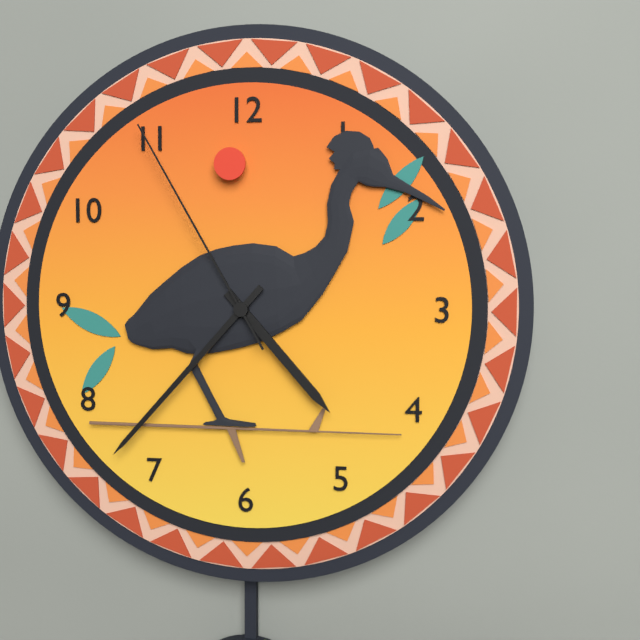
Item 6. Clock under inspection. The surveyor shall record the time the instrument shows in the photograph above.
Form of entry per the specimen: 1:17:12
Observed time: 4:37:55
